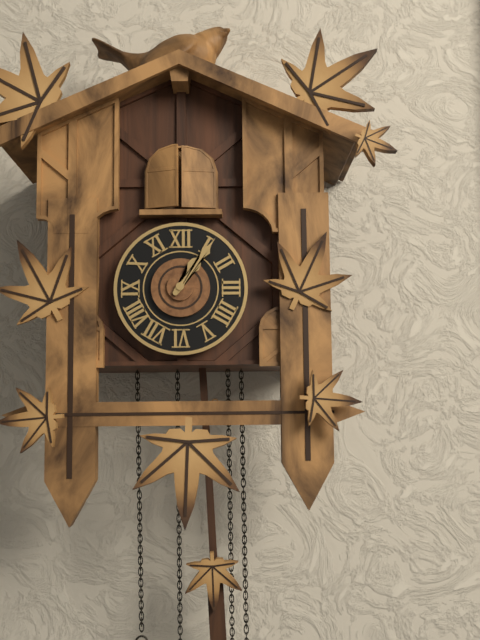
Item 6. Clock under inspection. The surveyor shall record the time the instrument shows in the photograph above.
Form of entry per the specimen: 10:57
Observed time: 1:06
